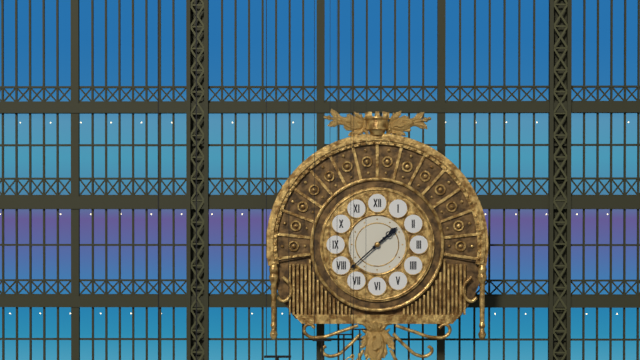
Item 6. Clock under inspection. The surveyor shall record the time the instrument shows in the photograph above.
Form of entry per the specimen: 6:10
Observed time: 1:38
